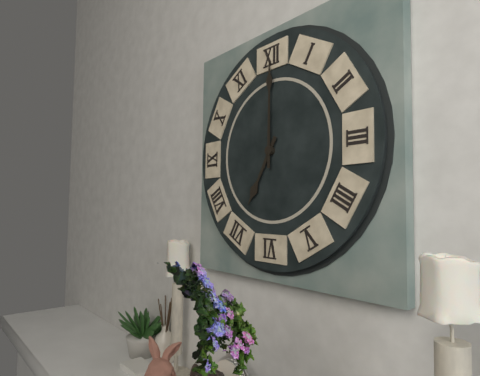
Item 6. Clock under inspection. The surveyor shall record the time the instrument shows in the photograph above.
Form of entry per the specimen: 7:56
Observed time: 7:00
